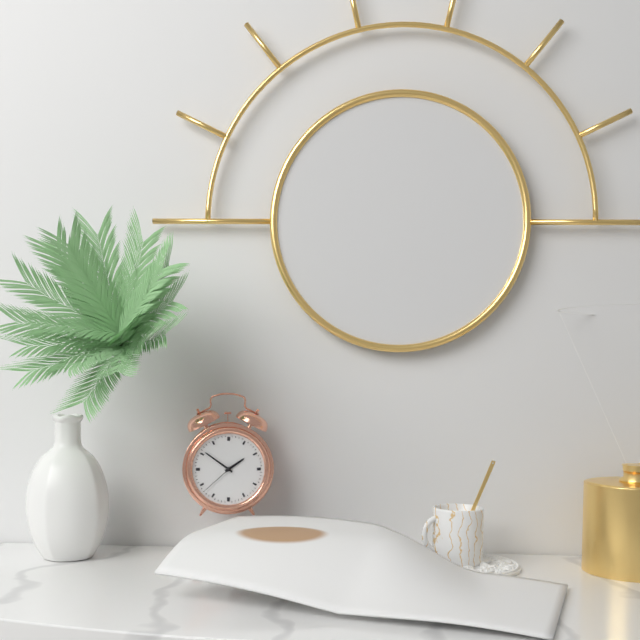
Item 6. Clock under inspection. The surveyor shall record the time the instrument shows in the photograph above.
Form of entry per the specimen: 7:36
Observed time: 1:51
